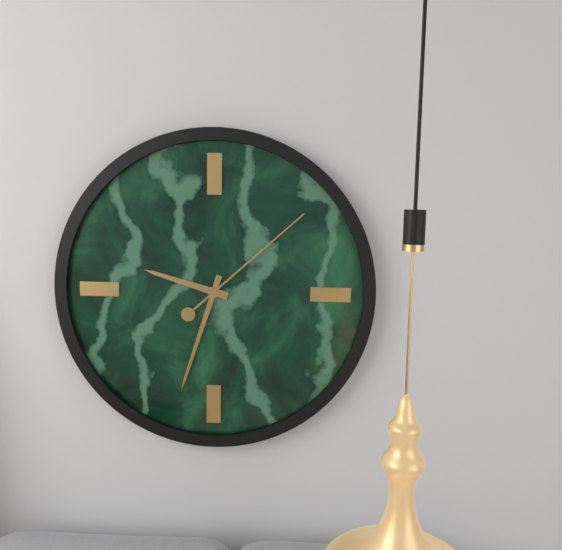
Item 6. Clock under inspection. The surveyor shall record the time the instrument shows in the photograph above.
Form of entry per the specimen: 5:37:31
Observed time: 9:33:08
